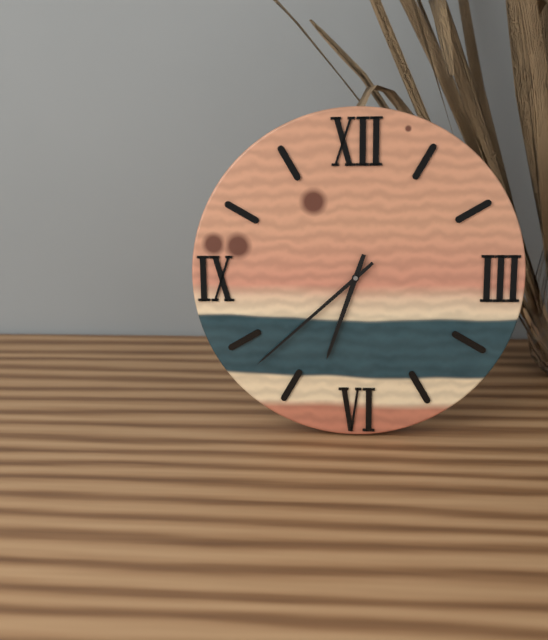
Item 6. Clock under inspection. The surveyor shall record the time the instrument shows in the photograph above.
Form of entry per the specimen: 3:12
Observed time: 6:38
